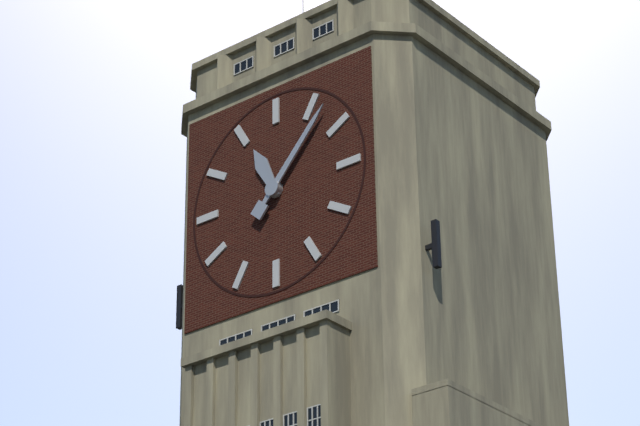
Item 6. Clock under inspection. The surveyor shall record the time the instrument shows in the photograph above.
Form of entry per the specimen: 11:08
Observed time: 11:07
